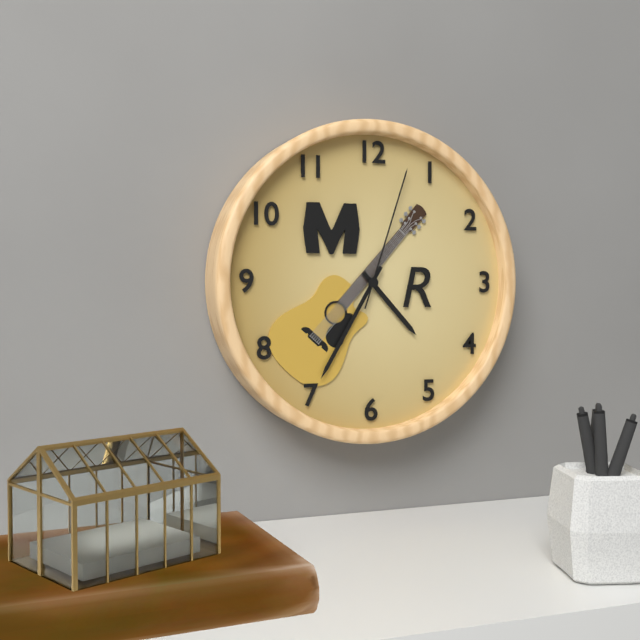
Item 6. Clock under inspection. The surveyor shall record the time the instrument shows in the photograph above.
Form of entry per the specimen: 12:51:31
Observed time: 4:35:03
